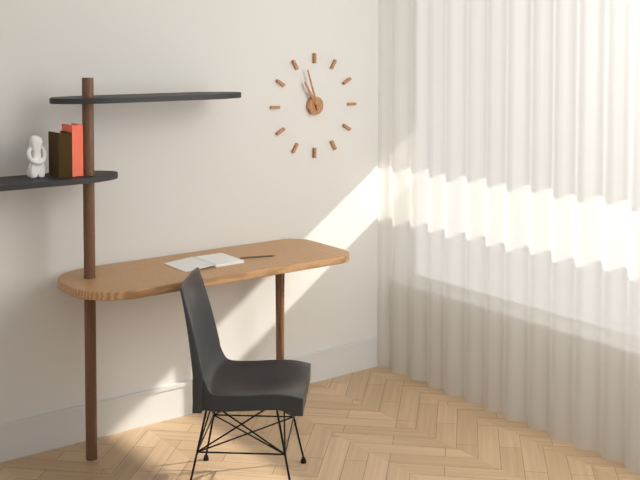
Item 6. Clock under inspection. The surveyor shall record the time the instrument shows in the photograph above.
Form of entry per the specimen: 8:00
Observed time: 10:57
